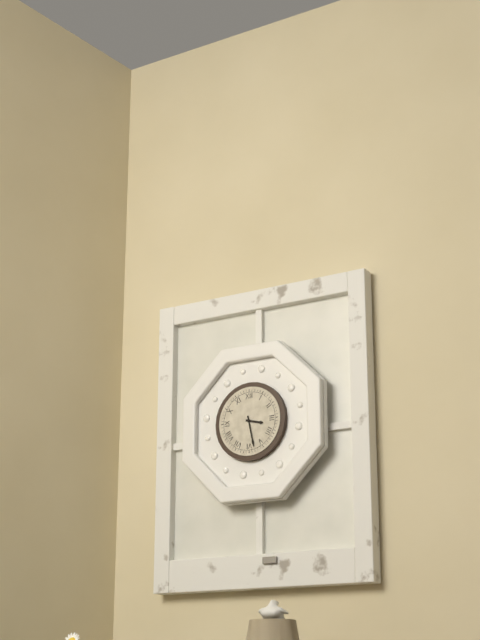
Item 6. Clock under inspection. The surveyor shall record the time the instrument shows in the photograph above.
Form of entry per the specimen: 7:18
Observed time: 3:28
